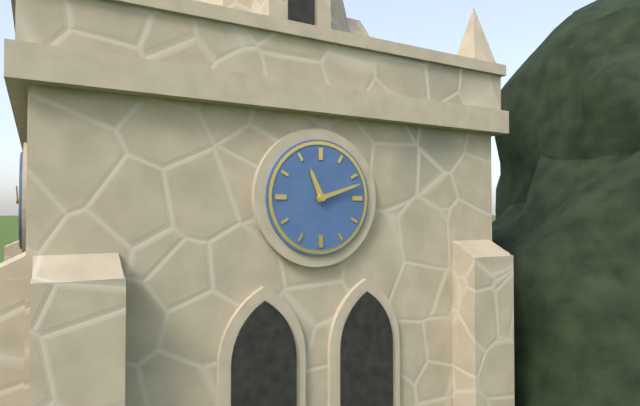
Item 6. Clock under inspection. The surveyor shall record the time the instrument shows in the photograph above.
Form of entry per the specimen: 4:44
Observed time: 11:12
